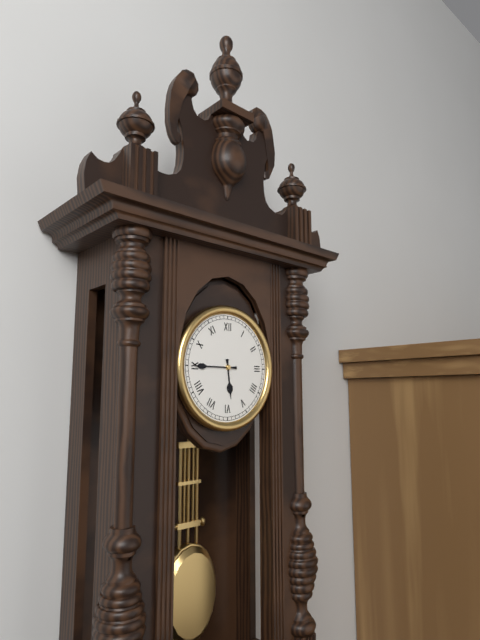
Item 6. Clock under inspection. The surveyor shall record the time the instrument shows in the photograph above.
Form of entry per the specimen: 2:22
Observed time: 5:45
